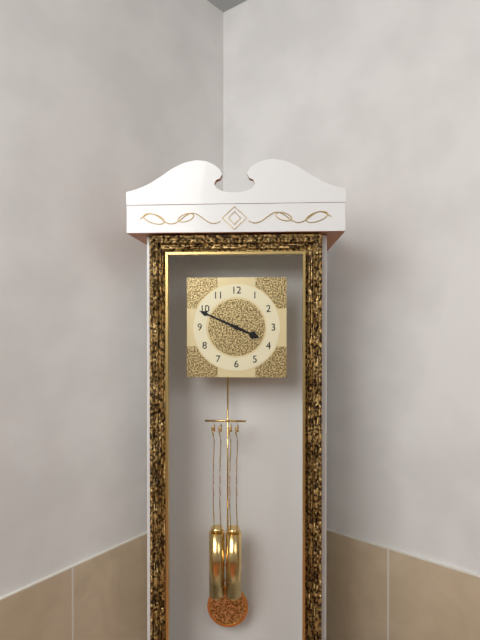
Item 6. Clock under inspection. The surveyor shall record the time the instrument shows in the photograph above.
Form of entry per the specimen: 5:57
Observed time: 3:49
